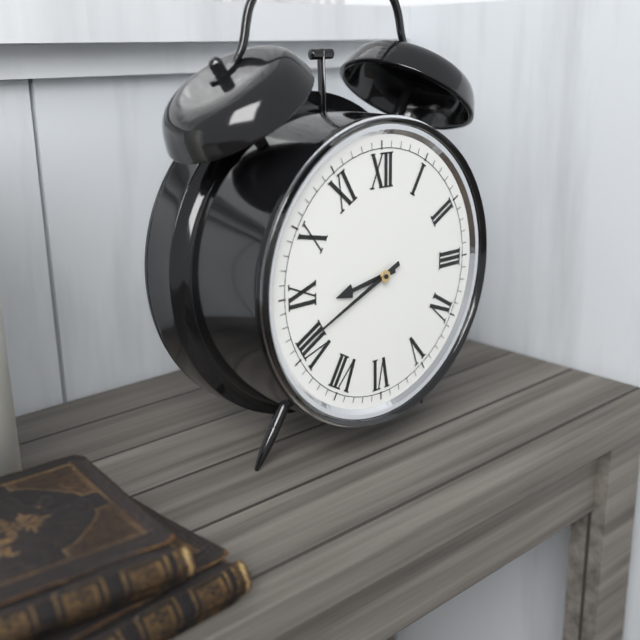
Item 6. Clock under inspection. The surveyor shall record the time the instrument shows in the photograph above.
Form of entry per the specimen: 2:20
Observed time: 8:41
